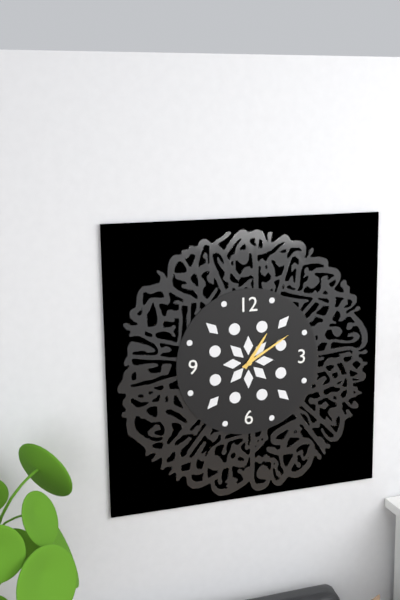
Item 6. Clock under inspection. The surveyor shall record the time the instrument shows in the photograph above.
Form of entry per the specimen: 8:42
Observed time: 1:10
